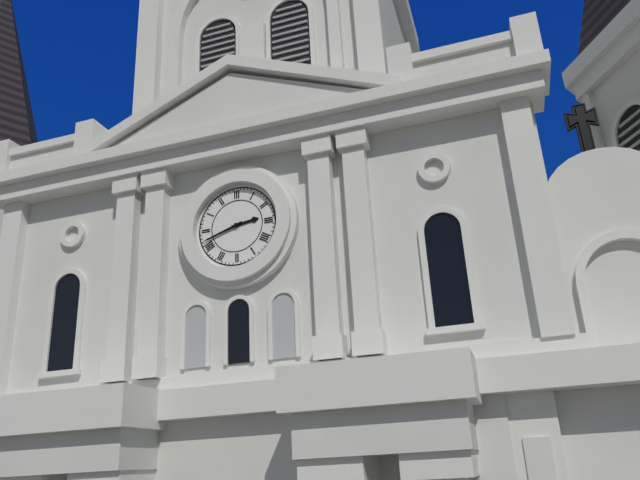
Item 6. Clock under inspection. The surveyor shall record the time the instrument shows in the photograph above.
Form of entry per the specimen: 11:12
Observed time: 2:42
